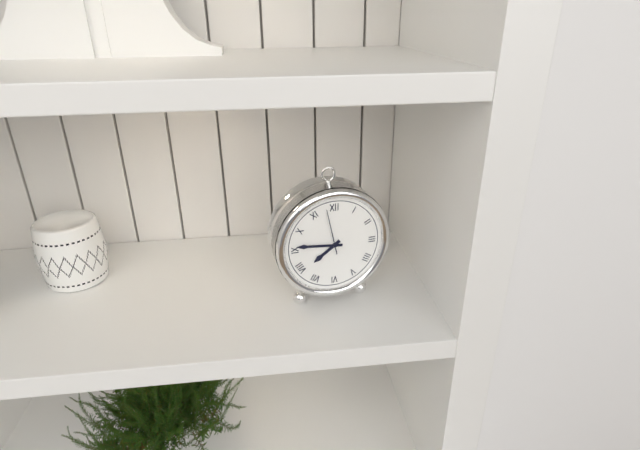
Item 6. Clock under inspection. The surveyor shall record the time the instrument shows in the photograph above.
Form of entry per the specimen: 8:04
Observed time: 7:46
